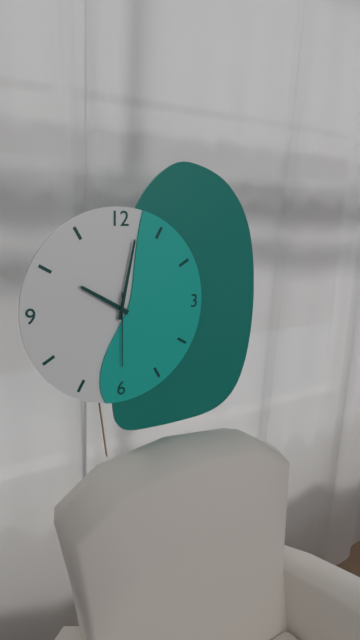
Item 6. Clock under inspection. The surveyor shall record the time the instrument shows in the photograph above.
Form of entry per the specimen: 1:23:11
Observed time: 10:02:30
